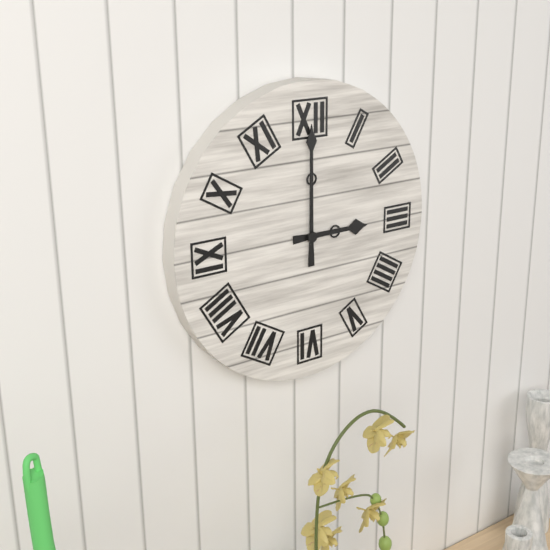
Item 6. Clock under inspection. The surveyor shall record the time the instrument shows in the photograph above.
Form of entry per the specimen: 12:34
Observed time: 3:00
